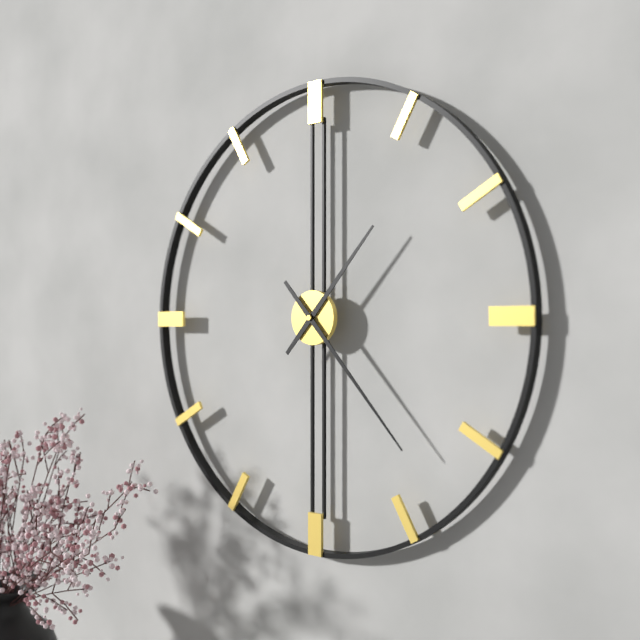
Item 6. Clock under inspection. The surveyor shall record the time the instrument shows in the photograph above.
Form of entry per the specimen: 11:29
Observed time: 1:23
